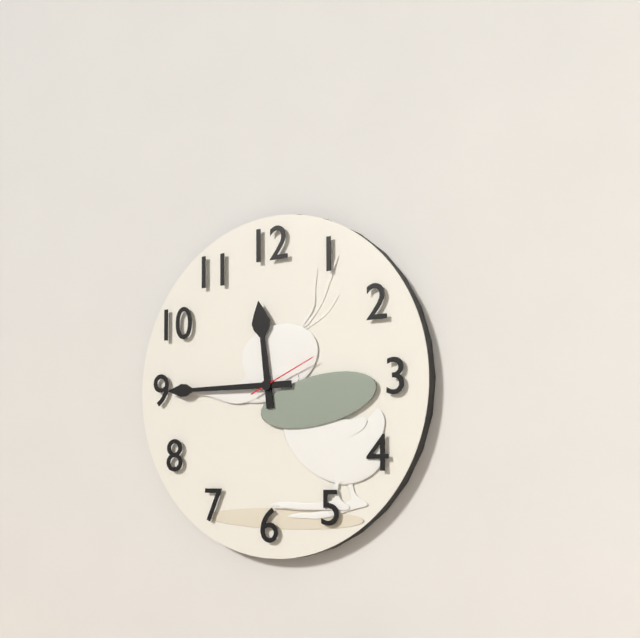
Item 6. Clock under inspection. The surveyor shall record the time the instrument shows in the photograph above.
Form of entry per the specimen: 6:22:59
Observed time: 11:45:11
